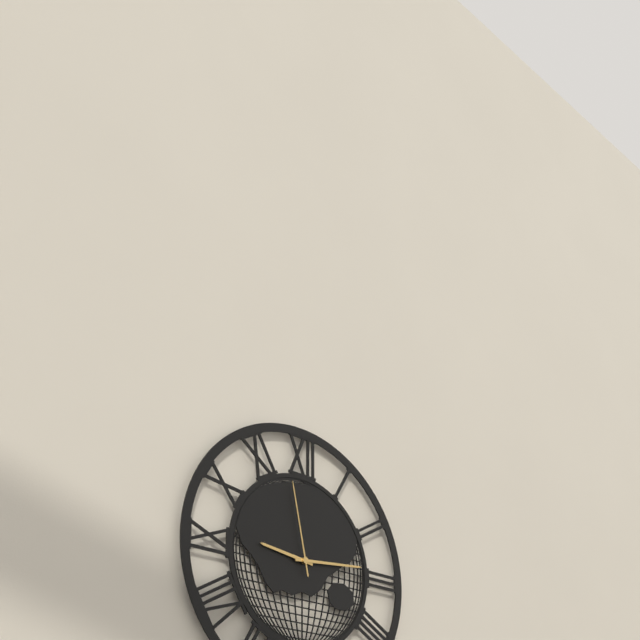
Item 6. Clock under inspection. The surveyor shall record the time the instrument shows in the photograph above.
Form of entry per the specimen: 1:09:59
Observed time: 9:14:58
